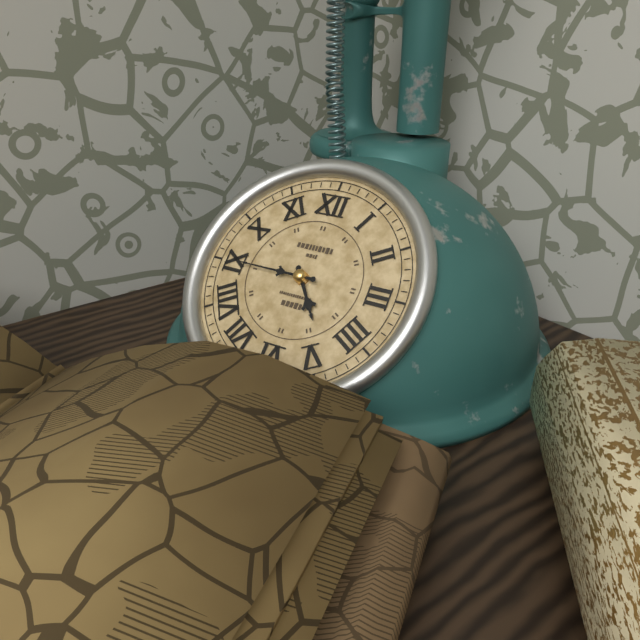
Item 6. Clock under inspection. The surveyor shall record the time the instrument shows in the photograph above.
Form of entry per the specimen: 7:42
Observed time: 4:45
